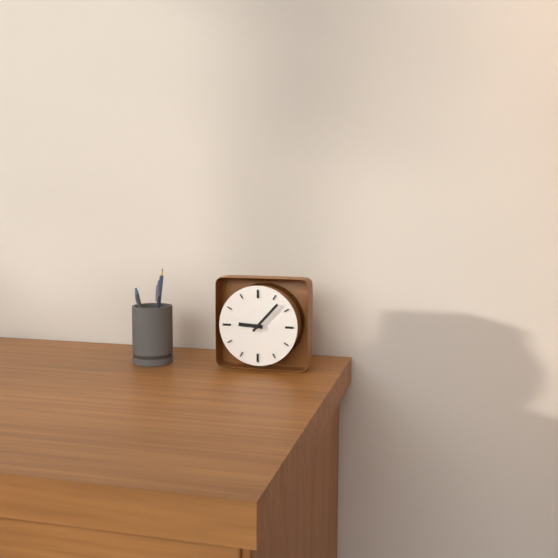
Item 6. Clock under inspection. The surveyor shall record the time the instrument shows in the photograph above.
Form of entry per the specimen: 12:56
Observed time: 9:07
